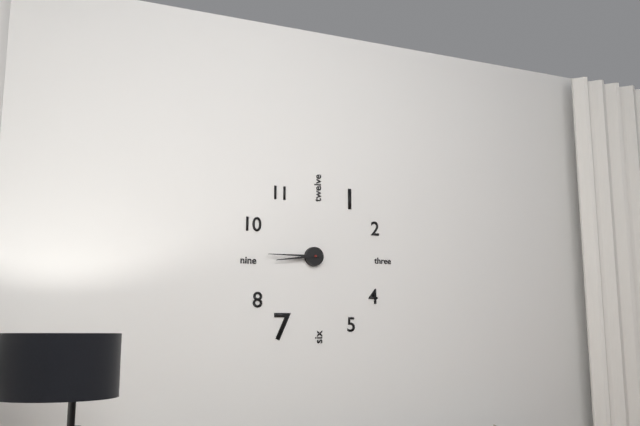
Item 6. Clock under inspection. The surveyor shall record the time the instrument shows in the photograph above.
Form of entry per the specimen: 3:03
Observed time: 8:45
